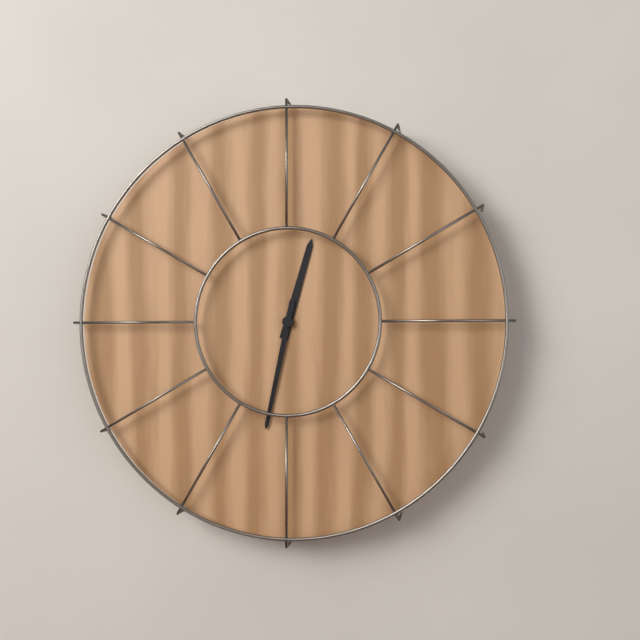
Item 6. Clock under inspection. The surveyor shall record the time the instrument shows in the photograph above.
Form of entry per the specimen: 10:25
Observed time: 12:32
